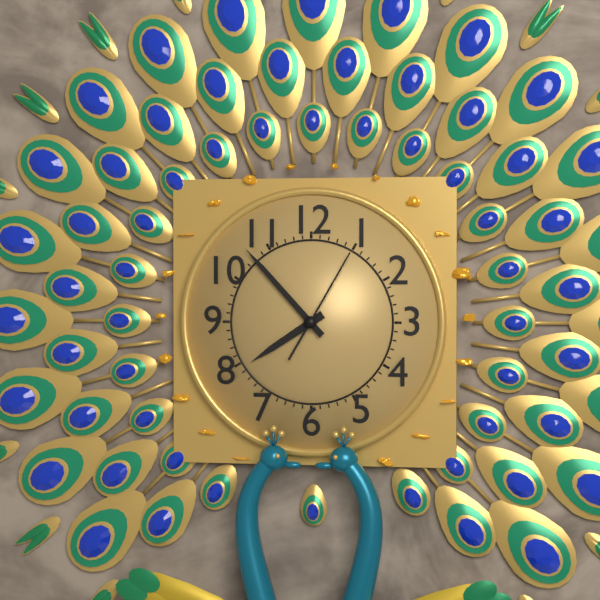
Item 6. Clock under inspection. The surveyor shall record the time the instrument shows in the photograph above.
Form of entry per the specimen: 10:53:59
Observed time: 7:53:05
